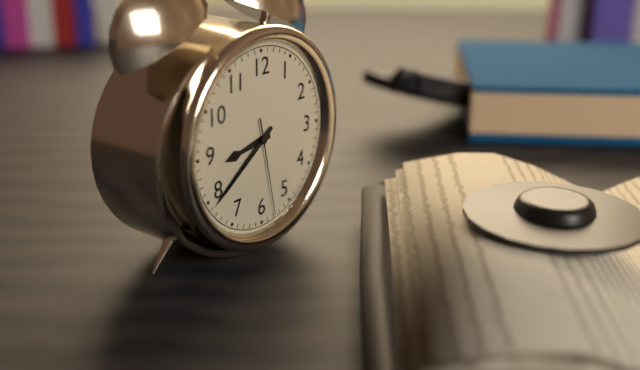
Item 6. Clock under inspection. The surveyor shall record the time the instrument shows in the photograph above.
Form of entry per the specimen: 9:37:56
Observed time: 8:39:28
